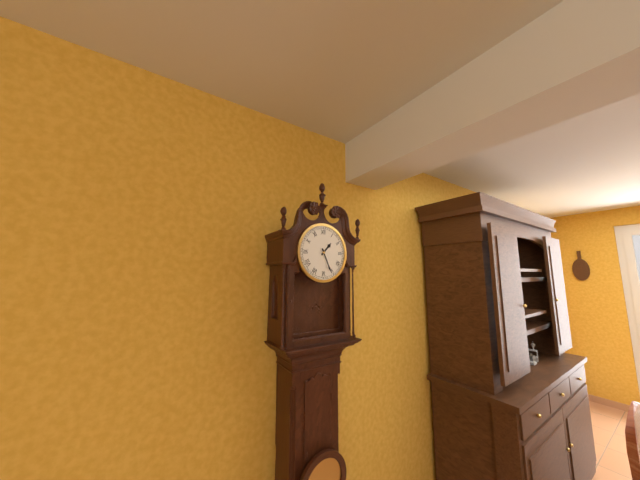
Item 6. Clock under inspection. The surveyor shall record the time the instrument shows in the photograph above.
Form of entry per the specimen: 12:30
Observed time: 1:26
